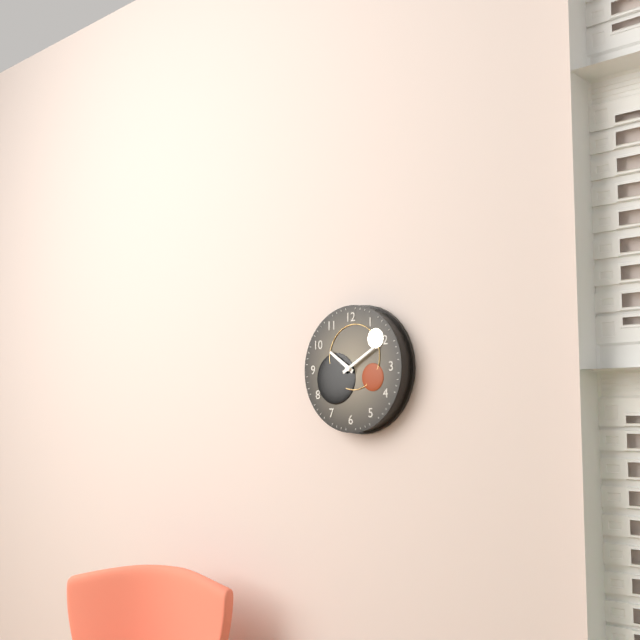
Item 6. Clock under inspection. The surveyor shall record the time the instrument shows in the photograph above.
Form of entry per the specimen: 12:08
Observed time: 10:10
